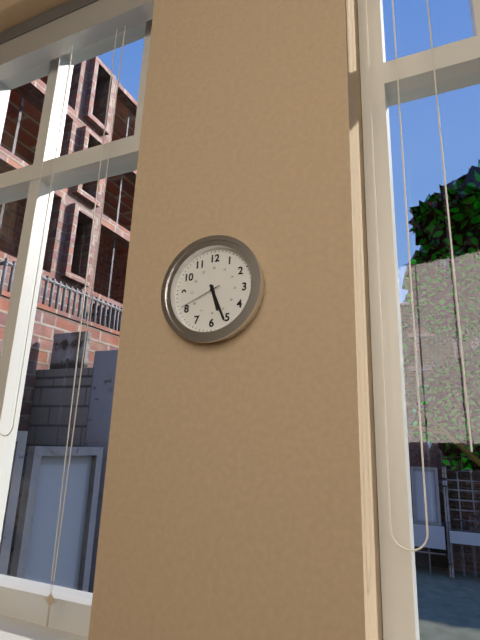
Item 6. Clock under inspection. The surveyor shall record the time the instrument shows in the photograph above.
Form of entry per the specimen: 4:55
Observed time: 5:26
